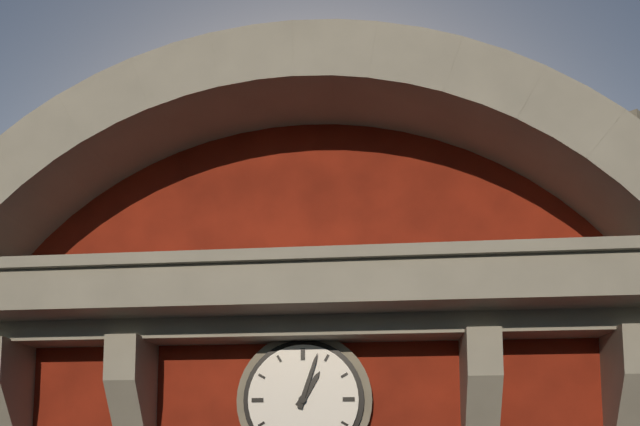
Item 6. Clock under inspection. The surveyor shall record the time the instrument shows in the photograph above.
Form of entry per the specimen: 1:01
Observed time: 1:03
